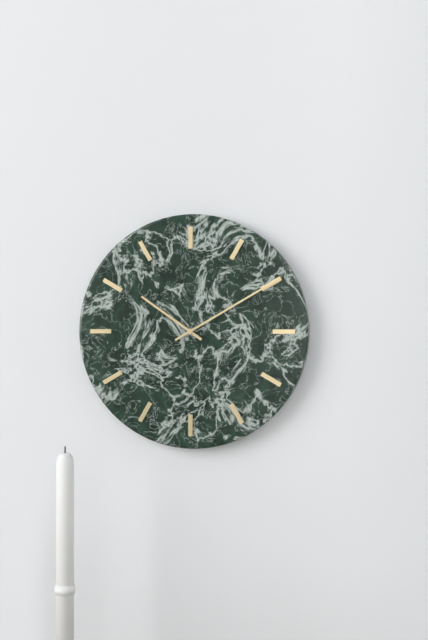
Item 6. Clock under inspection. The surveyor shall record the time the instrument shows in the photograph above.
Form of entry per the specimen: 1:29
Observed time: 10:10
